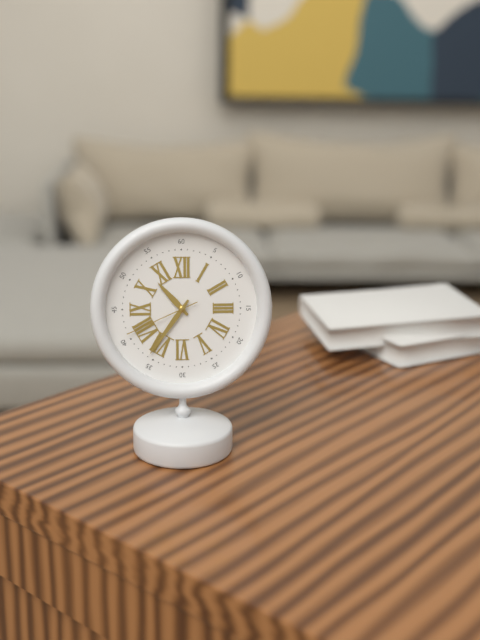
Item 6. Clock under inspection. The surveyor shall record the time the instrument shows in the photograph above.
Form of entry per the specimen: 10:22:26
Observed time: 10:36:41
